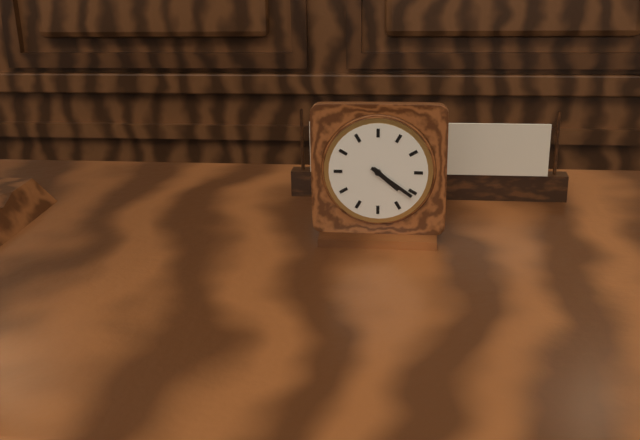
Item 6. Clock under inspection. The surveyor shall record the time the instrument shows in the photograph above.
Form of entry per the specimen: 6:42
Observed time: 4:21
